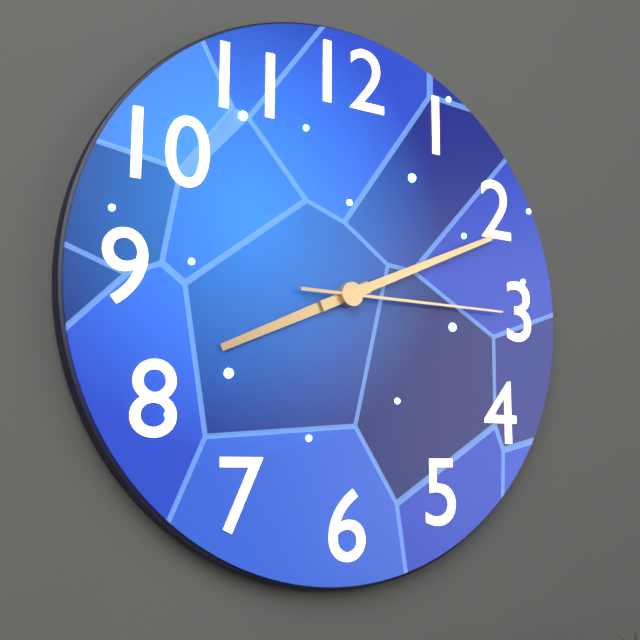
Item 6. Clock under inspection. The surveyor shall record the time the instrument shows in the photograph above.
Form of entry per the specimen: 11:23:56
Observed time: 8:11:15
